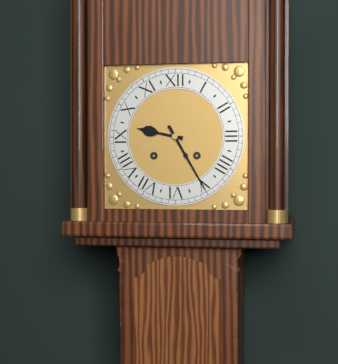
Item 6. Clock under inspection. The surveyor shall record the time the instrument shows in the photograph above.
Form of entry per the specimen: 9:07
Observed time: 9:25
